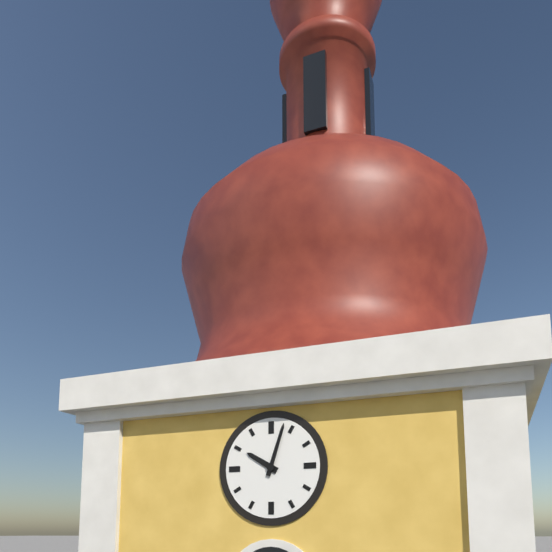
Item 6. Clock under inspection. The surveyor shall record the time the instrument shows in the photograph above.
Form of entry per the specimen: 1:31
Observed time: 10:03
